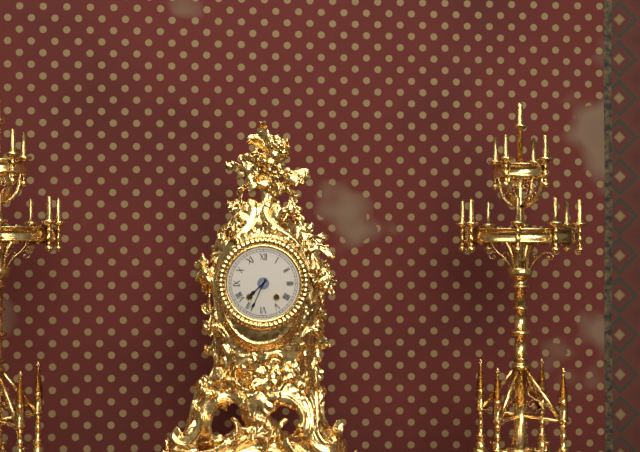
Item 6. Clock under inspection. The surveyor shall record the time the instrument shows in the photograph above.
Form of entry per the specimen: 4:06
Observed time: 7:34
